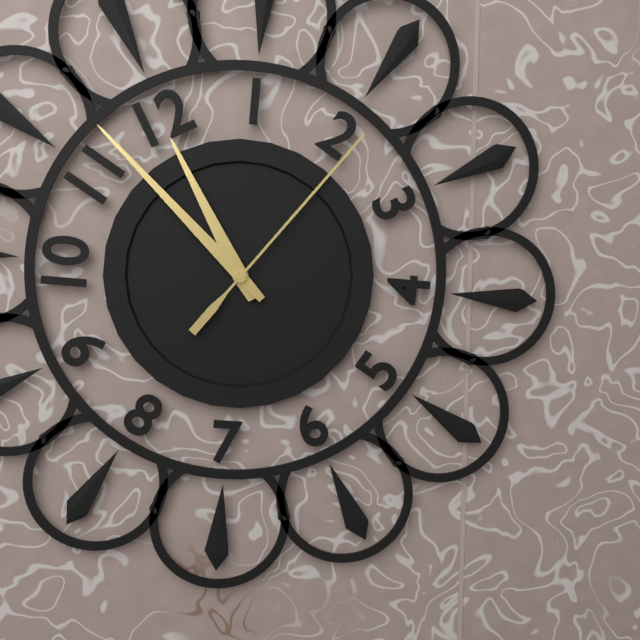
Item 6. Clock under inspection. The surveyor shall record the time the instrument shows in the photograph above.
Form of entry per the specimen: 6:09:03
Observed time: 11:57:11
